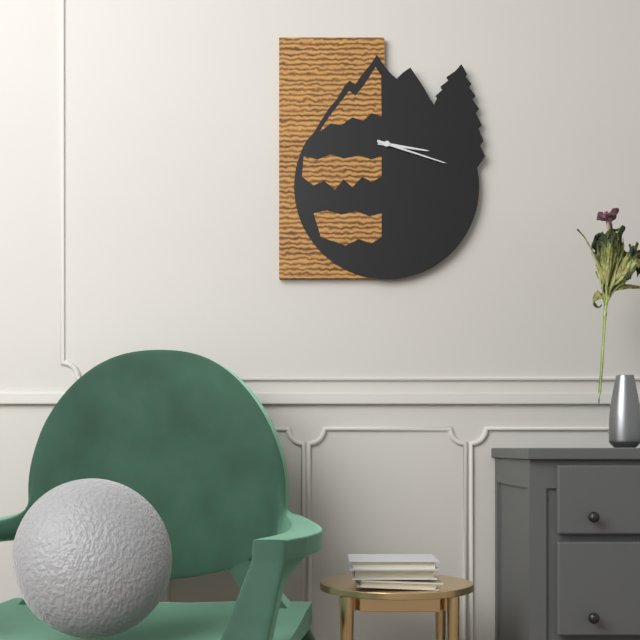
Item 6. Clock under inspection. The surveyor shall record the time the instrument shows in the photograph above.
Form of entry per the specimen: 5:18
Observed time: 3:18
